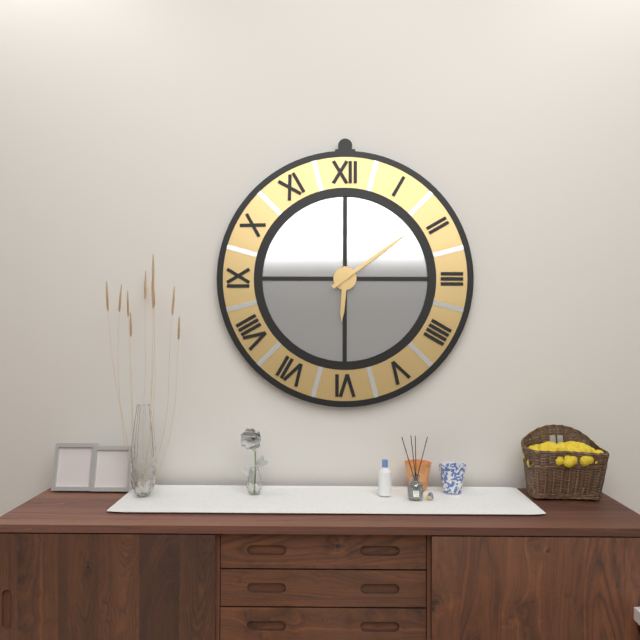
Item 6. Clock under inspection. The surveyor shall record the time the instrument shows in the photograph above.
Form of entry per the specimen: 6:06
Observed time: 6:09
